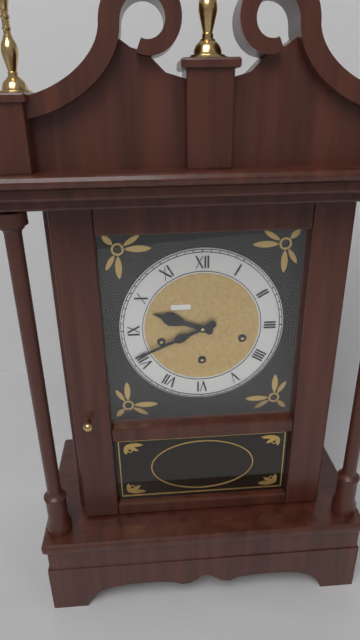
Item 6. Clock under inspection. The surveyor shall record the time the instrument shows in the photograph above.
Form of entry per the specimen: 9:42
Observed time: 9:41
